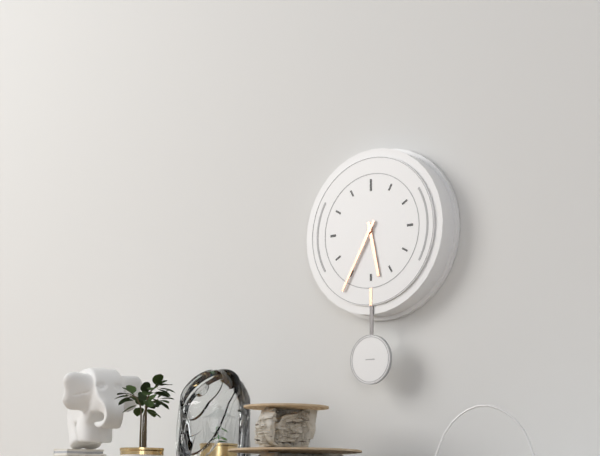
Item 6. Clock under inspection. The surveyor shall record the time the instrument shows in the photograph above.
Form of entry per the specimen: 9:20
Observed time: 5:35
